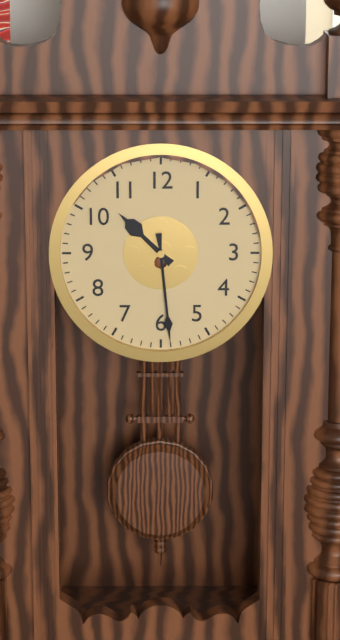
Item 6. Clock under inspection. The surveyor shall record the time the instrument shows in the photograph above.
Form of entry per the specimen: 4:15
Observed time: 10:29
